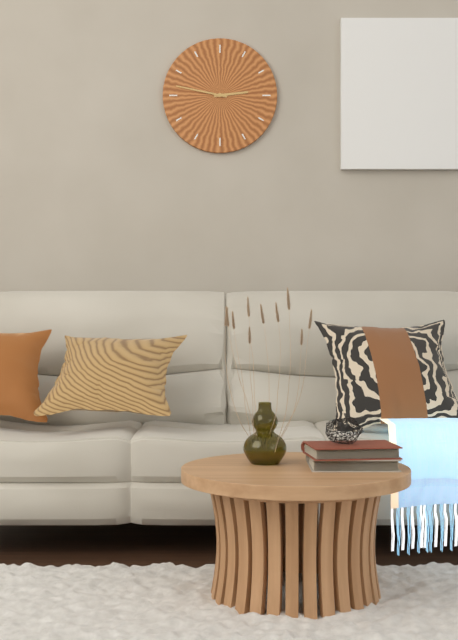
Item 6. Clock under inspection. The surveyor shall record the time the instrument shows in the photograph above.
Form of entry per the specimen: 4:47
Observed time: 2:47
